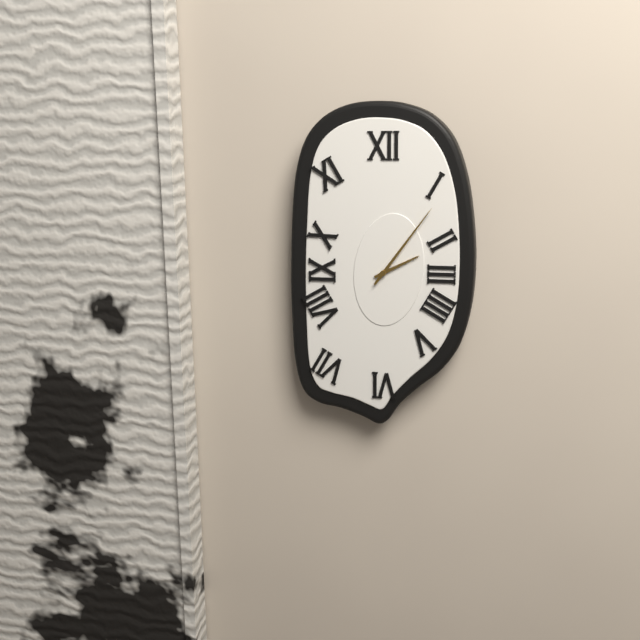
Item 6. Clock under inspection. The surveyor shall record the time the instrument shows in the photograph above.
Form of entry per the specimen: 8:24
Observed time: 2:06
